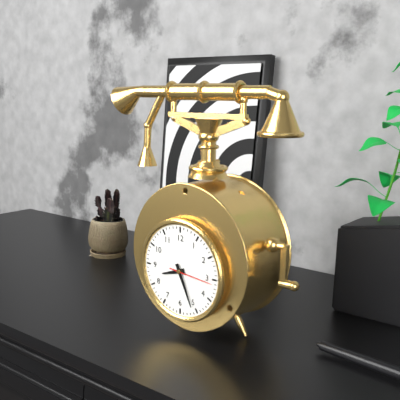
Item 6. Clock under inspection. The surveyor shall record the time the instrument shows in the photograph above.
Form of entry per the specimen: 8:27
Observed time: 8:26
